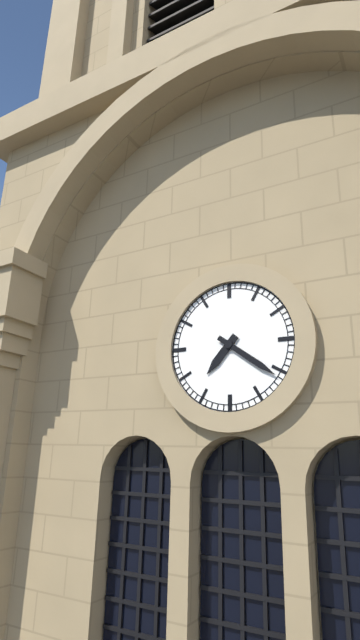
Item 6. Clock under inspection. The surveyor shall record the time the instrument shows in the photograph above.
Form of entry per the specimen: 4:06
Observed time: 7:21
